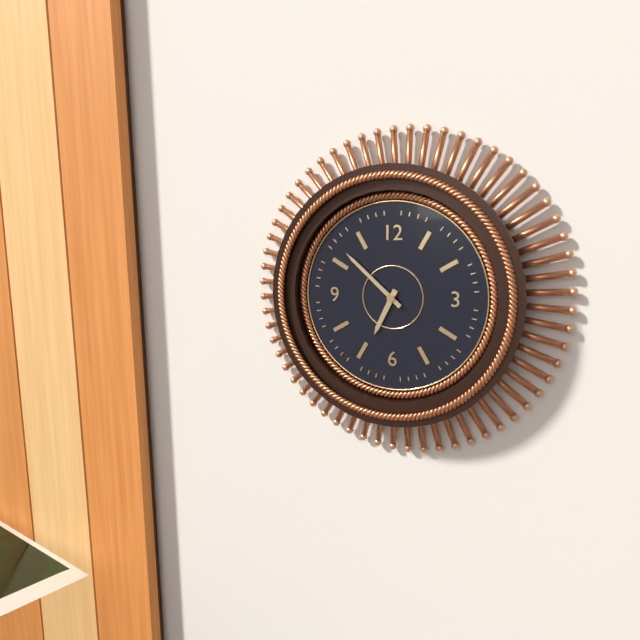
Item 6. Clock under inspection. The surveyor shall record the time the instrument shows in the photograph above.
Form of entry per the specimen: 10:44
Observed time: 6:52
